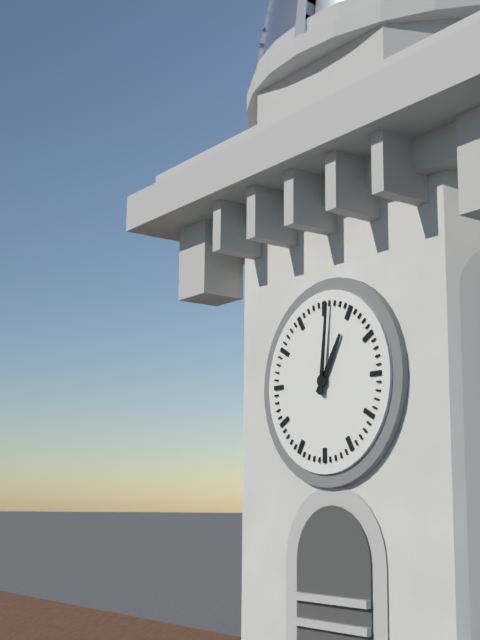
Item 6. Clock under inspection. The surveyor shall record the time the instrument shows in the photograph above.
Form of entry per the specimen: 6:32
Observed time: 1:01
